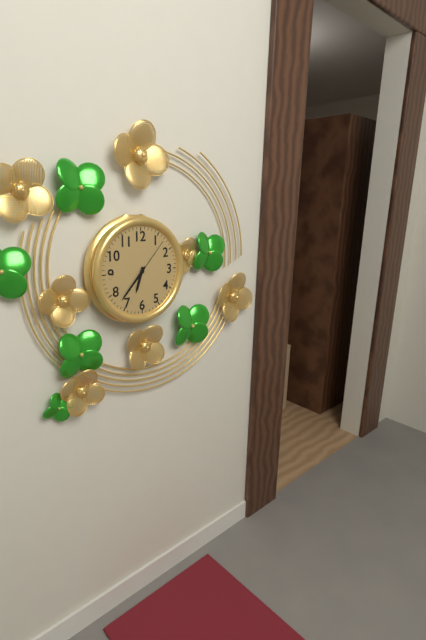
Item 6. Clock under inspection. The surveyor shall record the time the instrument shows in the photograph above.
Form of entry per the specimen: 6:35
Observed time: 6:37
